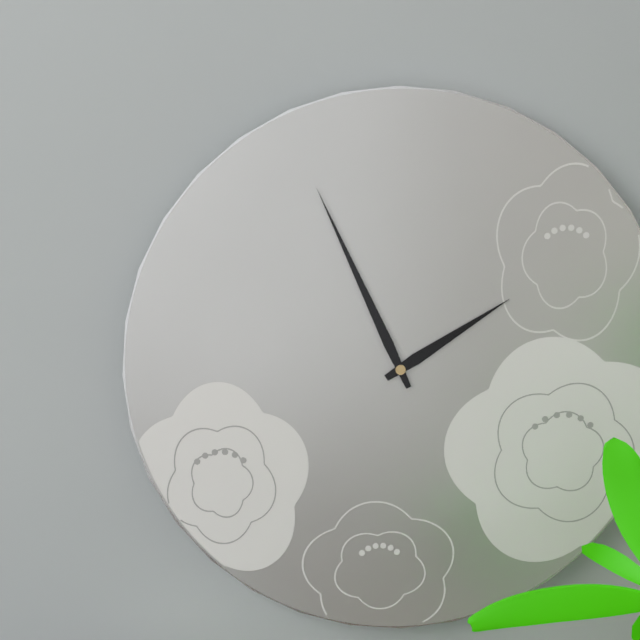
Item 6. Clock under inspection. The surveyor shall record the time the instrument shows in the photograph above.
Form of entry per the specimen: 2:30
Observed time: 1:56
